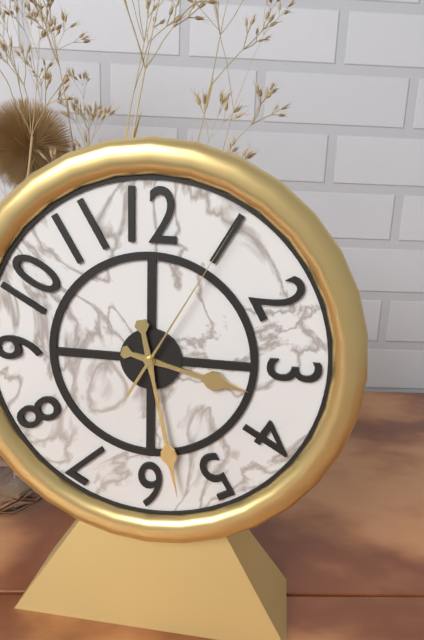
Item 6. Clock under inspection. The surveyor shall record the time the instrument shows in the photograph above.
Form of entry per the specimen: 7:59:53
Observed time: 3:28:05
